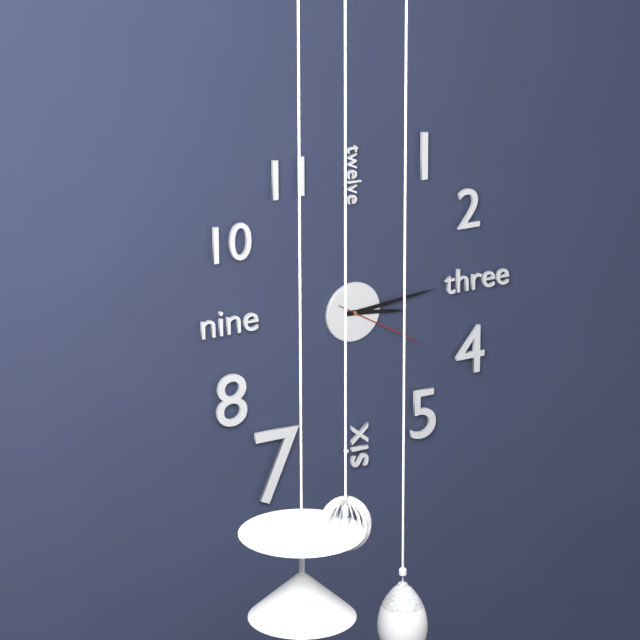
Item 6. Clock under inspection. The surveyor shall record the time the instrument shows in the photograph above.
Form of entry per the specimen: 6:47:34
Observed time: 3:14:20
